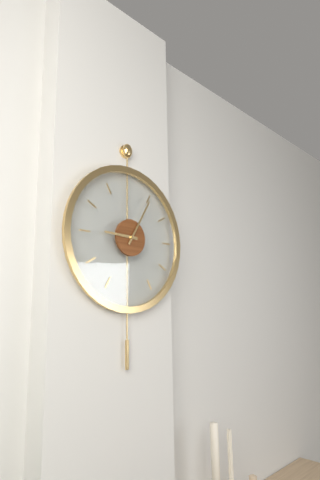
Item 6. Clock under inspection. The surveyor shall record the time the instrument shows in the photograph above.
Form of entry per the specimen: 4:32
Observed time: 9:05
